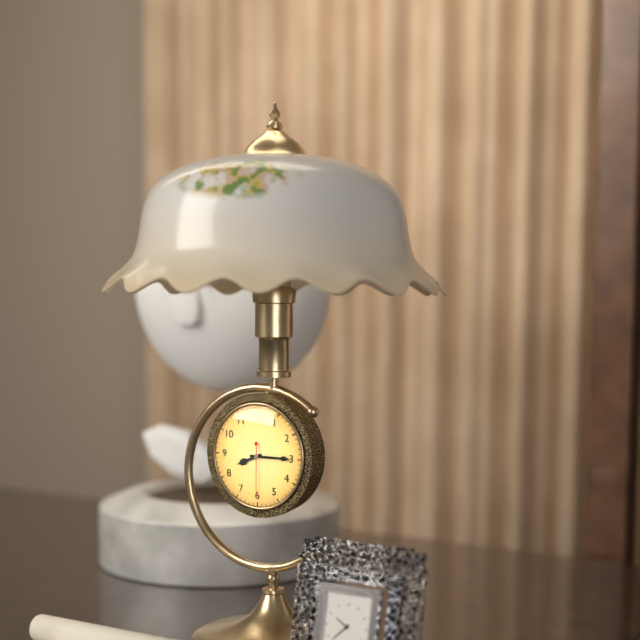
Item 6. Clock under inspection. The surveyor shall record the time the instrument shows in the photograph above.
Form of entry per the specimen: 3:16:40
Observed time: 8:15:30
